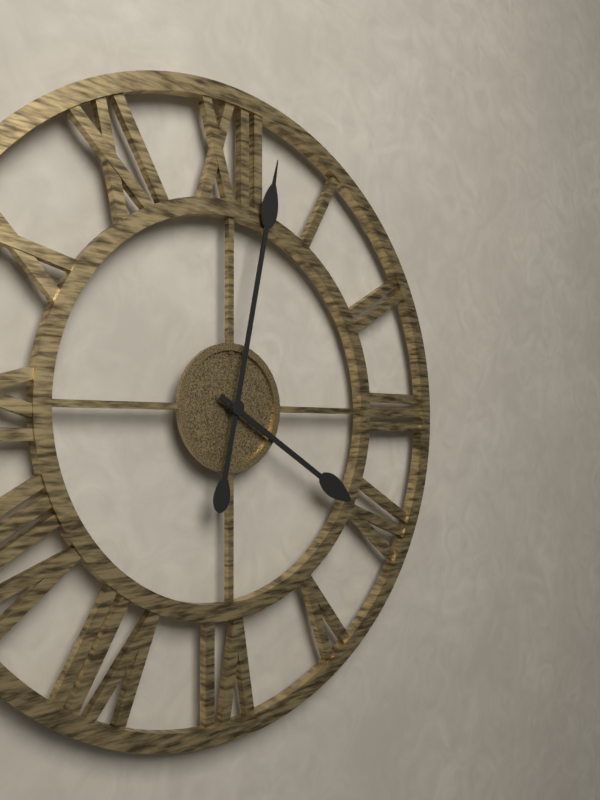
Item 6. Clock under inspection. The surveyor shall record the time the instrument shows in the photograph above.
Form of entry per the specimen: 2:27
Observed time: 4:02
